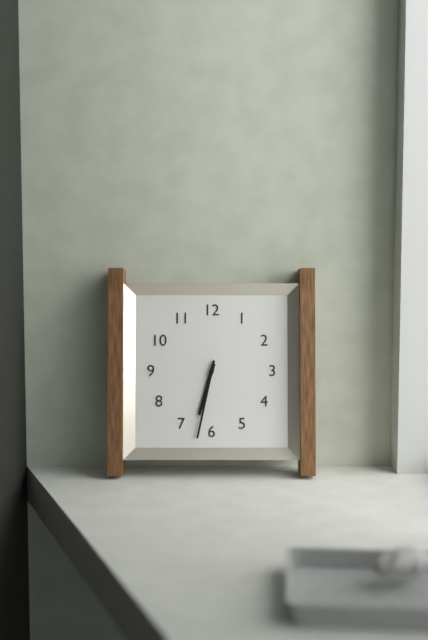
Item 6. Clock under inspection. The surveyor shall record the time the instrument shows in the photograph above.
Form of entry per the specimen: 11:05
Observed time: 6:32
